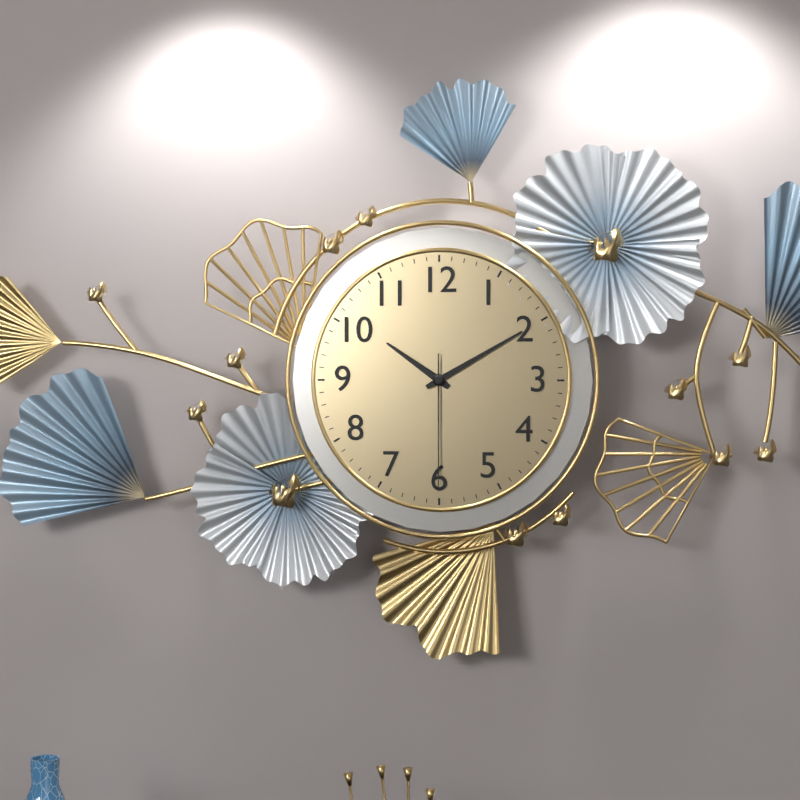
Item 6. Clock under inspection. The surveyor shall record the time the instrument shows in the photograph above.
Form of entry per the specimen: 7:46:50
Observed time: 10:10:30
